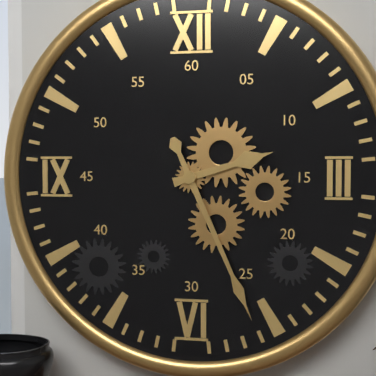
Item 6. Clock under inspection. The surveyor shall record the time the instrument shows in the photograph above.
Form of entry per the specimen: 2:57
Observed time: 2:26
